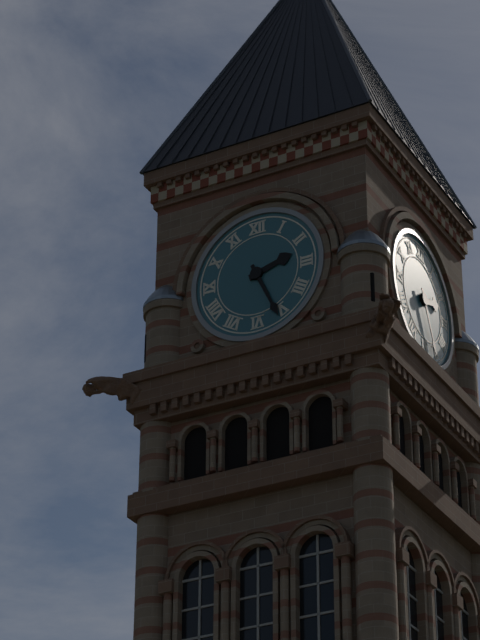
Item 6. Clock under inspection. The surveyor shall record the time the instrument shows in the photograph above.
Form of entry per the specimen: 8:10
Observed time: 2:26
